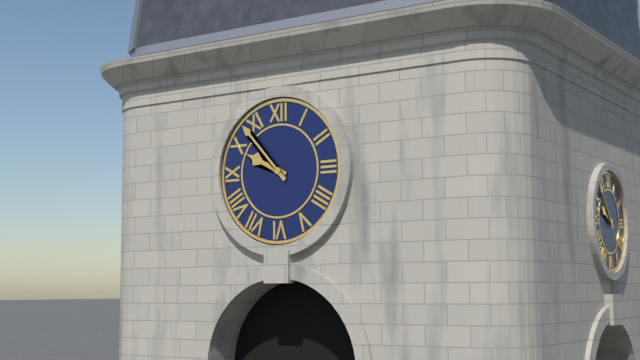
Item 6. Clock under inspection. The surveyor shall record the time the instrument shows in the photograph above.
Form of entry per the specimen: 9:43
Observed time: 9:53
